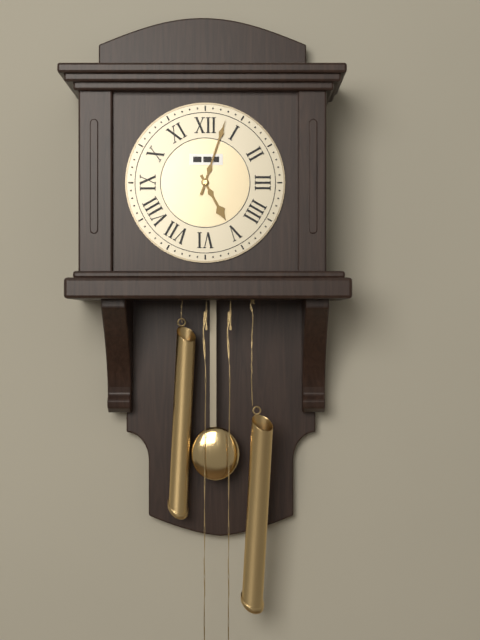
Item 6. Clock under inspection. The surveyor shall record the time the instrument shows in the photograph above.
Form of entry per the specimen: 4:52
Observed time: 5:03
